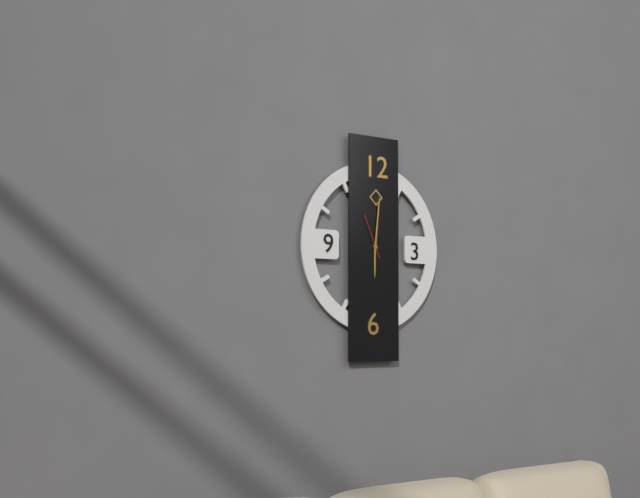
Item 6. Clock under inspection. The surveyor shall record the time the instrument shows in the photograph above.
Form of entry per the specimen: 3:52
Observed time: 6:01
